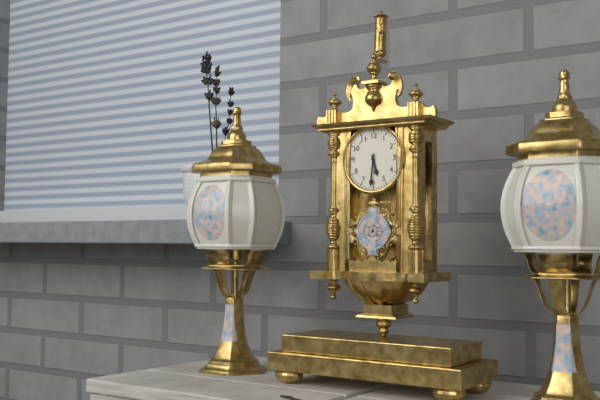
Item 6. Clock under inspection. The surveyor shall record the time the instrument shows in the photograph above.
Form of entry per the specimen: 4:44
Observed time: 5:31
